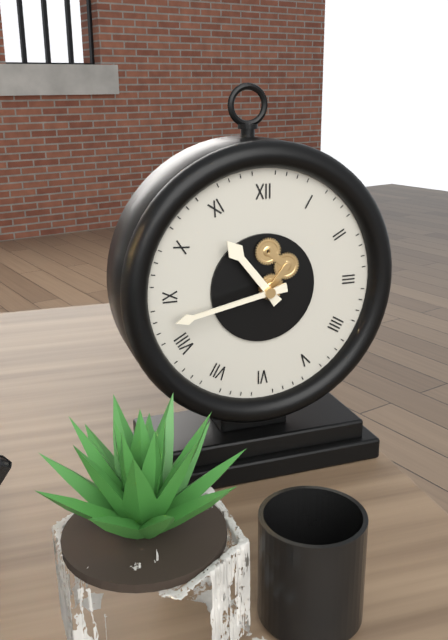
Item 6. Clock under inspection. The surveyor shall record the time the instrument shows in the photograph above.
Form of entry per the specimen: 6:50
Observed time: 10:43
